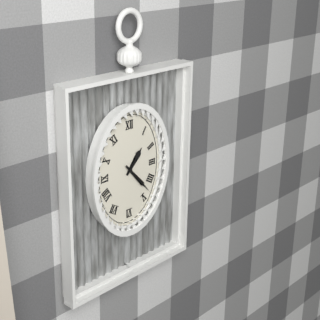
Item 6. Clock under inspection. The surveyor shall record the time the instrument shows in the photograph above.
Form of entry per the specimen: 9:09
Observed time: 1:23
